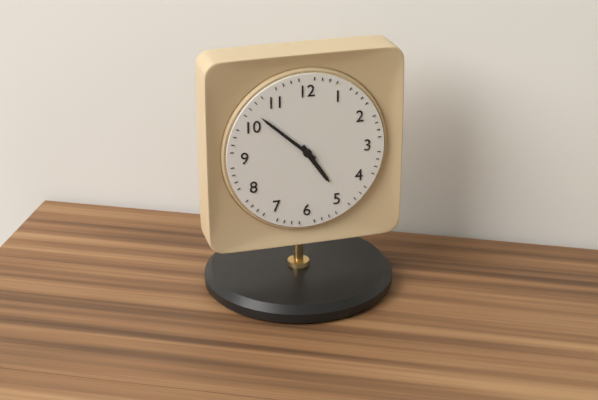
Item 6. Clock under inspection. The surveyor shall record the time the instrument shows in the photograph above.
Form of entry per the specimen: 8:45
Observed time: 4:52
